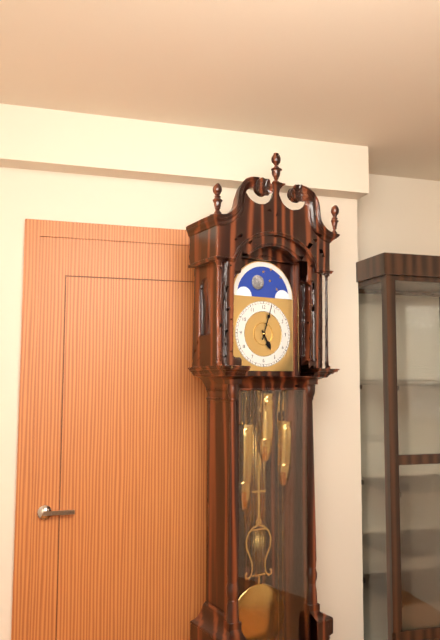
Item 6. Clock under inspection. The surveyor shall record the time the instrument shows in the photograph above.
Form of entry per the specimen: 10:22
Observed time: 5:03
